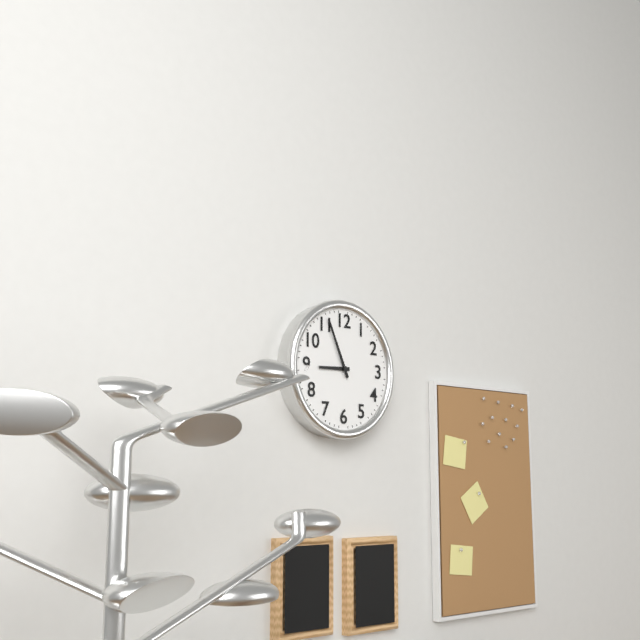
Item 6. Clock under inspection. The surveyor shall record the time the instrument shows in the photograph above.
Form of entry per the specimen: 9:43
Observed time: 8:56
